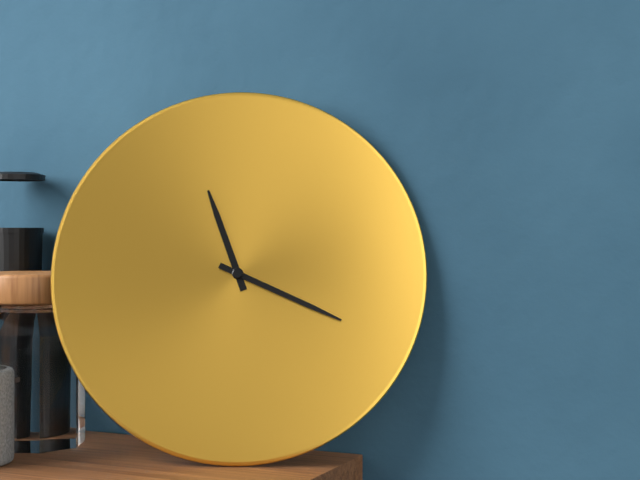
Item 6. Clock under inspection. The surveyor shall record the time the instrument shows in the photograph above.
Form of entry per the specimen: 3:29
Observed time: 11:19
